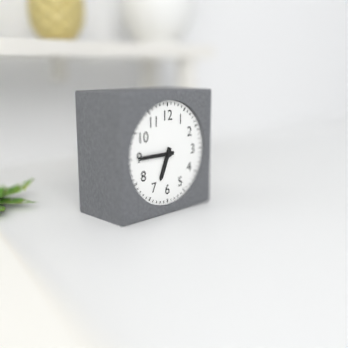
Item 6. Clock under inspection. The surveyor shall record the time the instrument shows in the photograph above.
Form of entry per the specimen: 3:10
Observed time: 6:45
